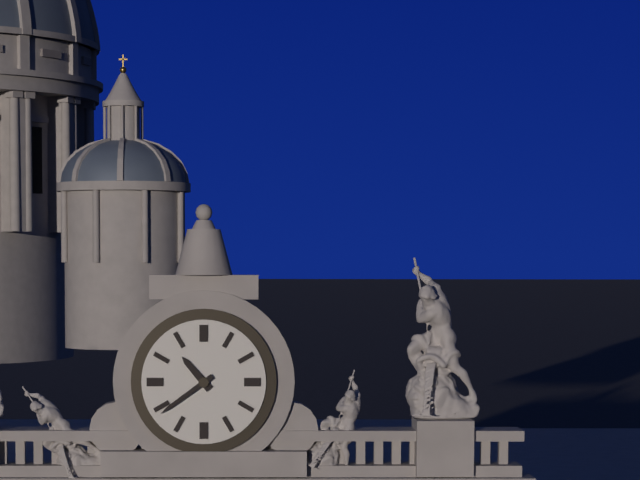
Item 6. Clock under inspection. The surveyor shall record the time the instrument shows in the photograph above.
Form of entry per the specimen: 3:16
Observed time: 10:39
